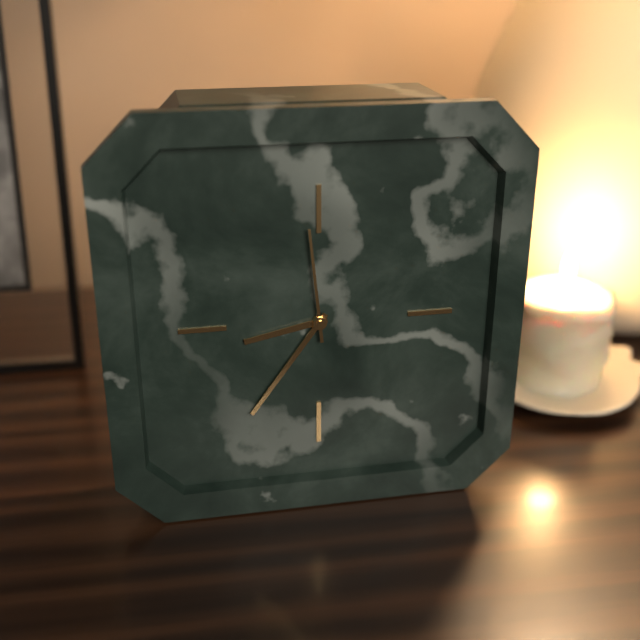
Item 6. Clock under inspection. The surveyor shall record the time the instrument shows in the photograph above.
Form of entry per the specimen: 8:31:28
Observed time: 8:36:59
